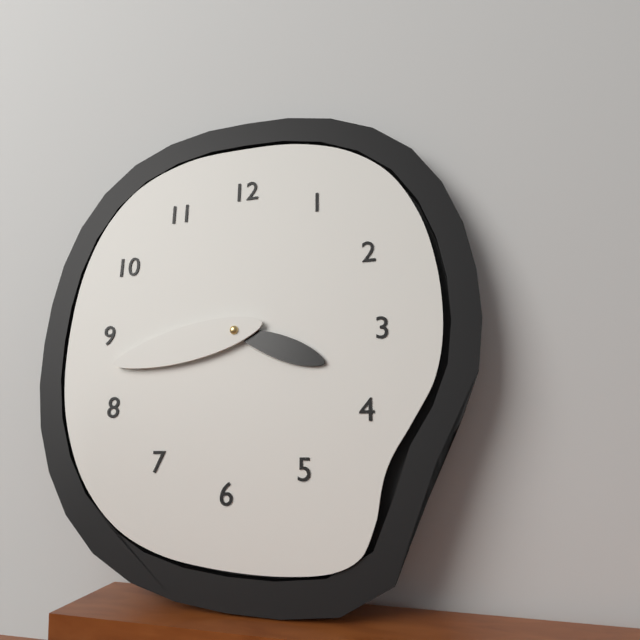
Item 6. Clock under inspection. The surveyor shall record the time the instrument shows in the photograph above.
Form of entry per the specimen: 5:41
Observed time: 3:43
